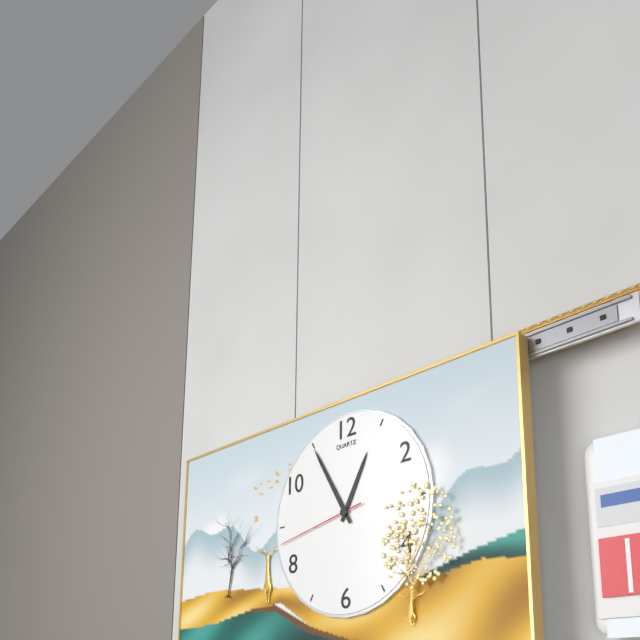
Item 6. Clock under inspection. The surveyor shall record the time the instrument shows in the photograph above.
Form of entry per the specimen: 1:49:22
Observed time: 12:55:43
